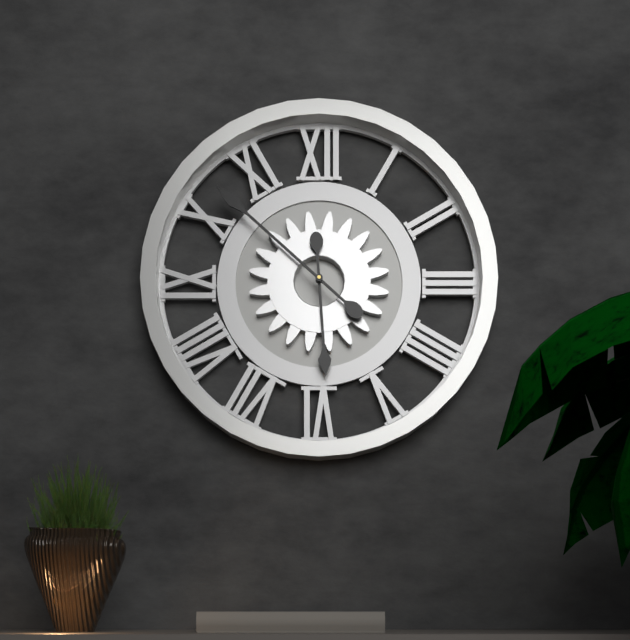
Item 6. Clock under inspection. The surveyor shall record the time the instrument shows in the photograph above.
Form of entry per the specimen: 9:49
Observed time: 5:52
